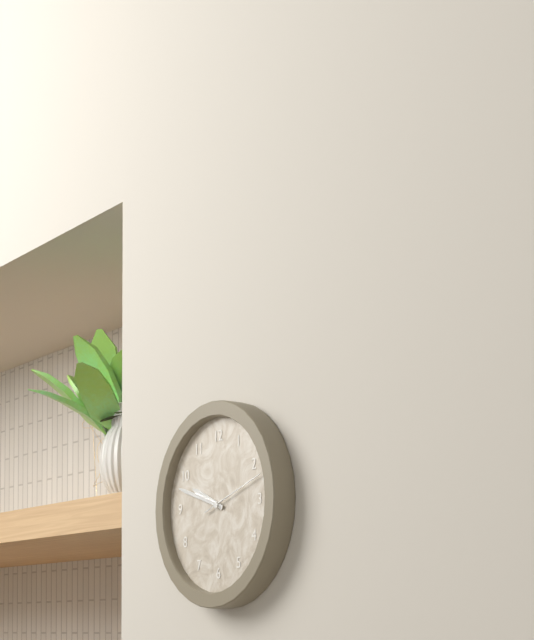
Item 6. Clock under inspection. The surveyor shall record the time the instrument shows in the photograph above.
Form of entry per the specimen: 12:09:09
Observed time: 9:48:12
